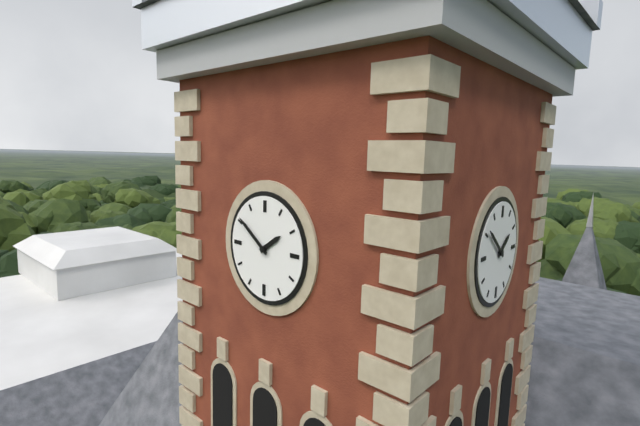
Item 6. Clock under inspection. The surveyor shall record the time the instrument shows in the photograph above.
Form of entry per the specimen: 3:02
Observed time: 1:51
